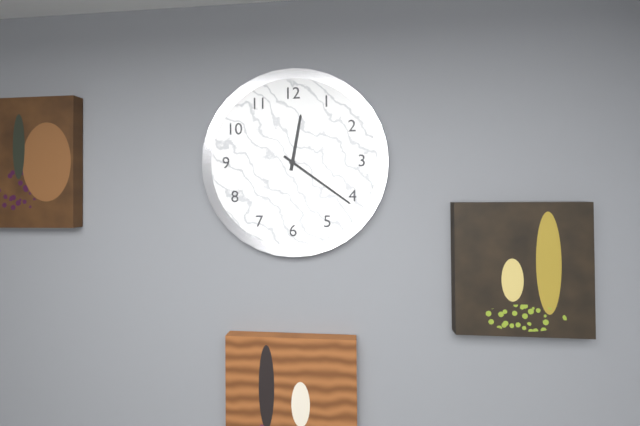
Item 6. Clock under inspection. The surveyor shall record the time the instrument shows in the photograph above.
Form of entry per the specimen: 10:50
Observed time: 12:21
